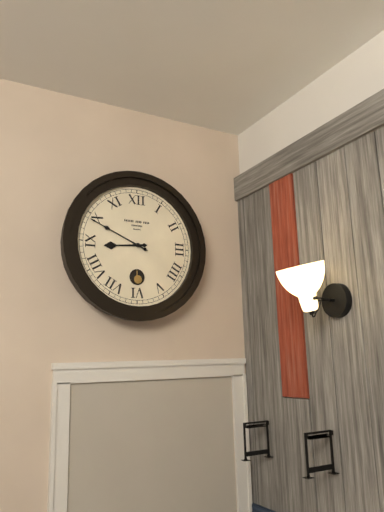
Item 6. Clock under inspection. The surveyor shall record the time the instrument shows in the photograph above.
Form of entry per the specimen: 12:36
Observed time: 8:49
